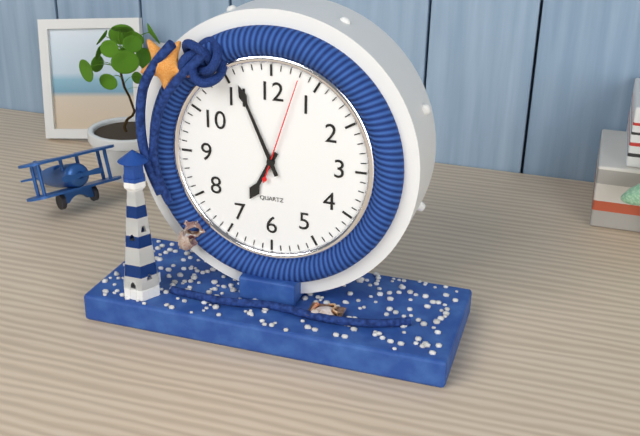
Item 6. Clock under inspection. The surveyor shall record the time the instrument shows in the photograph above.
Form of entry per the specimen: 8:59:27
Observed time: 6:56:03
